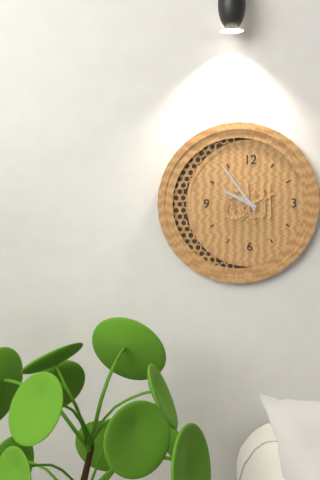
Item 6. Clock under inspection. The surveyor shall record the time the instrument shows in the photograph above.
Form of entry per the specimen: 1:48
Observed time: 9:54
